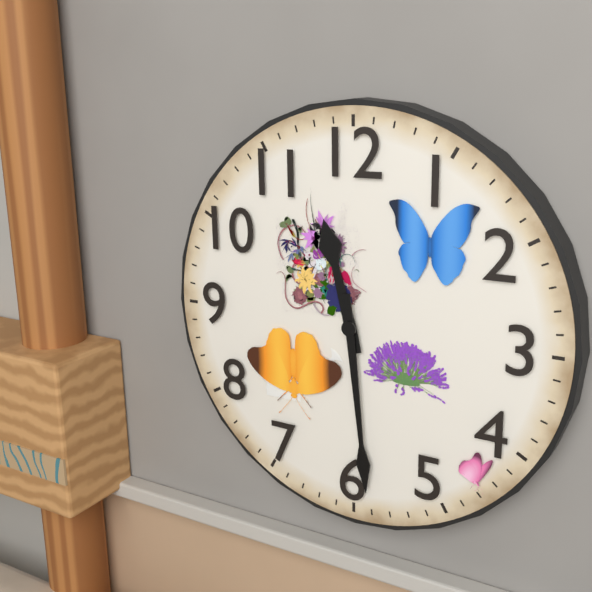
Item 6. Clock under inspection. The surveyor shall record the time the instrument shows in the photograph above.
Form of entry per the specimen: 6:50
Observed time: 11:29
